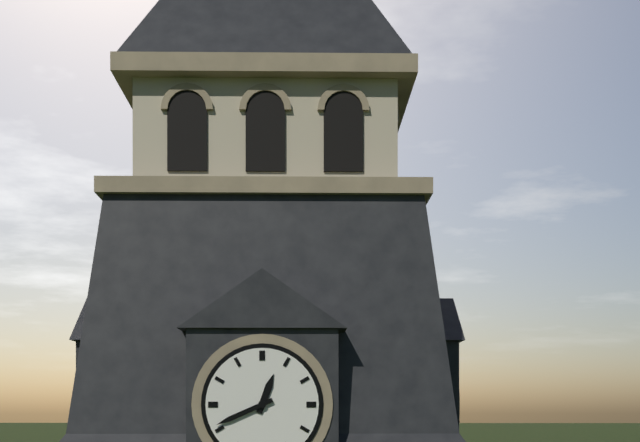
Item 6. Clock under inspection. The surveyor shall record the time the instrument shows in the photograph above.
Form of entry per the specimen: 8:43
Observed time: 12:41
